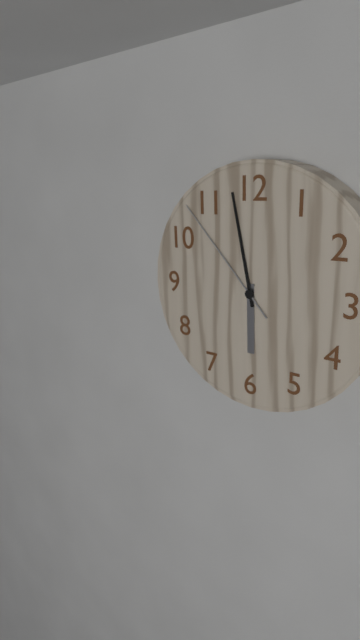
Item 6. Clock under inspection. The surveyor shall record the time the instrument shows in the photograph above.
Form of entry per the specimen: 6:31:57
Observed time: 5:58:53
